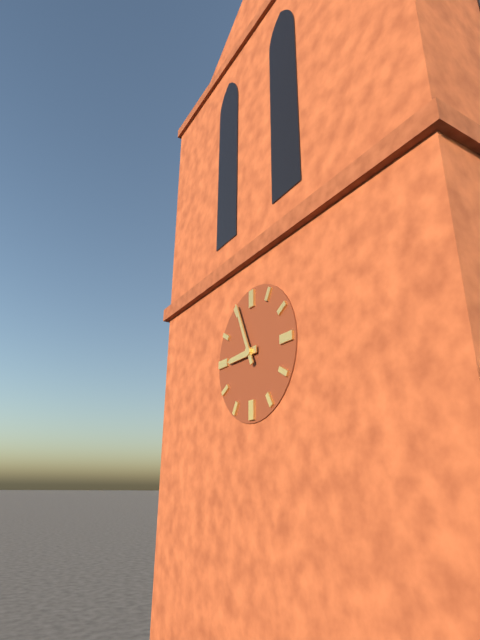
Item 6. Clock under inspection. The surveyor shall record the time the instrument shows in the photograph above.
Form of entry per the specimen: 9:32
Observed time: 8:56
